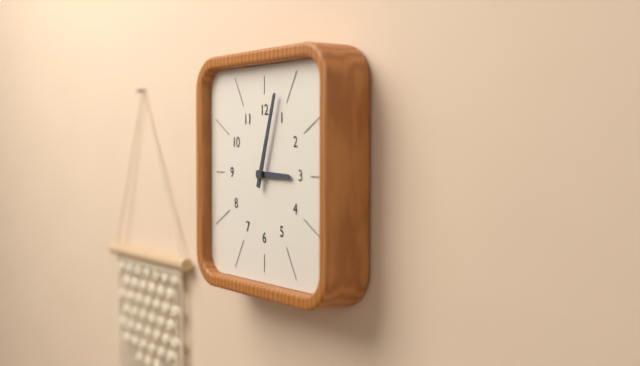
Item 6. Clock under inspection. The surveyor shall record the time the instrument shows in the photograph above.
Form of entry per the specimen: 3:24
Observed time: 3:03
